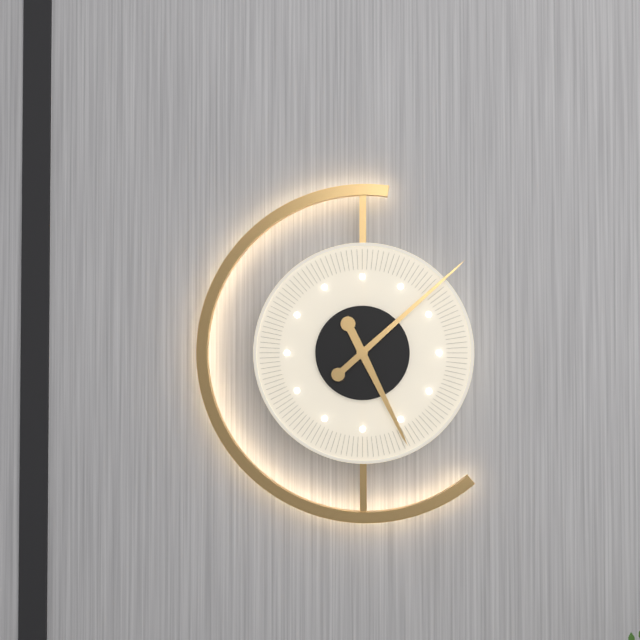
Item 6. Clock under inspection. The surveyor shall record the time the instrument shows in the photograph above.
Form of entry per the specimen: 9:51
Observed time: 5:08
